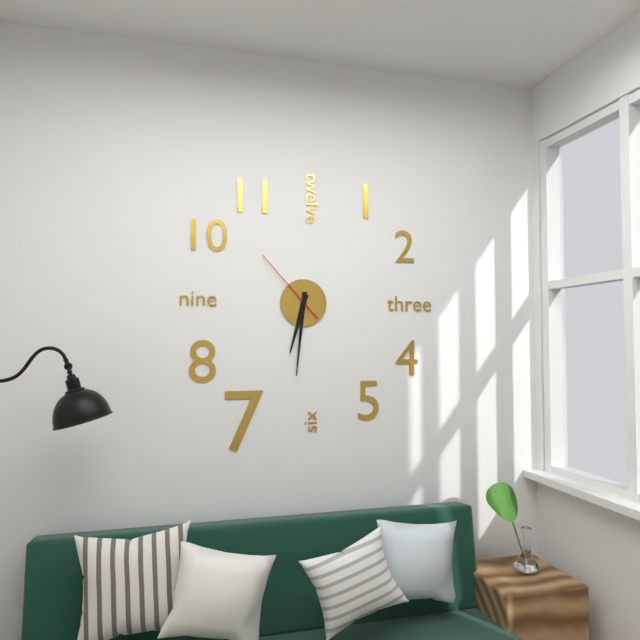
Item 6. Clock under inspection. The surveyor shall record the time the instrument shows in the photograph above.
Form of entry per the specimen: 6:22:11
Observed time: 6:31:53
